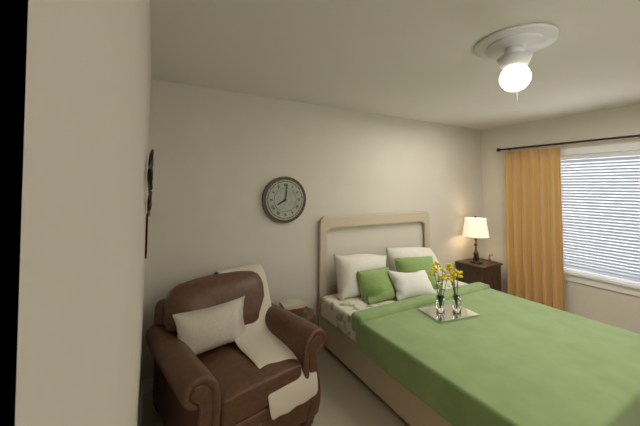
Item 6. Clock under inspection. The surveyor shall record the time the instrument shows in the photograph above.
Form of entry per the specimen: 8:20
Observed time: 8:01
